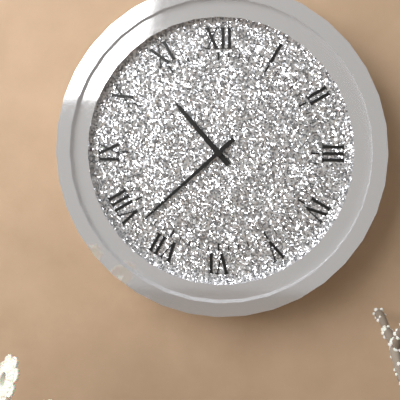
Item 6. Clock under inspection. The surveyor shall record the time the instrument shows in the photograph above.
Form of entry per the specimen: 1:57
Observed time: 10:38
